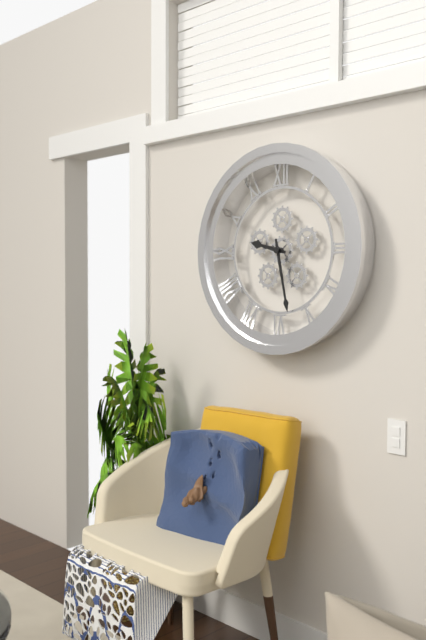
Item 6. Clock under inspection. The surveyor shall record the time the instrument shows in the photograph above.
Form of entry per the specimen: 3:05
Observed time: 9:28
